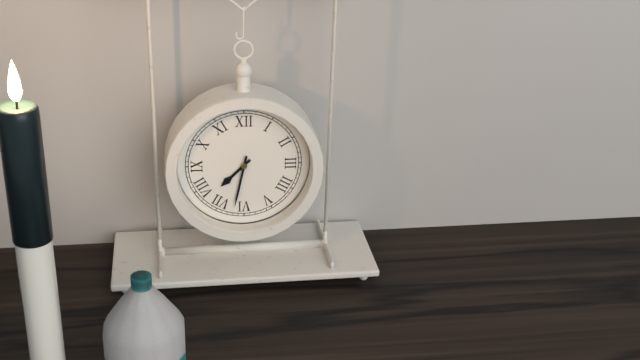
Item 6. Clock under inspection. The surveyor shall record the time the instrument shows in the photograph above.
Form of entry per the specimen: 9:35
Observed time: 7:32
